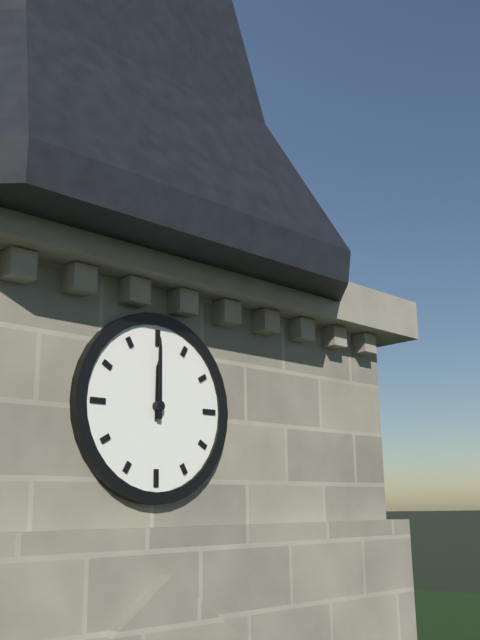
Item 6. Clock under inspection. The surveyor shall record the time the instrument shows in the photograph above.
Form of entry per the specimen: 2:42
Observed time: 12:00
